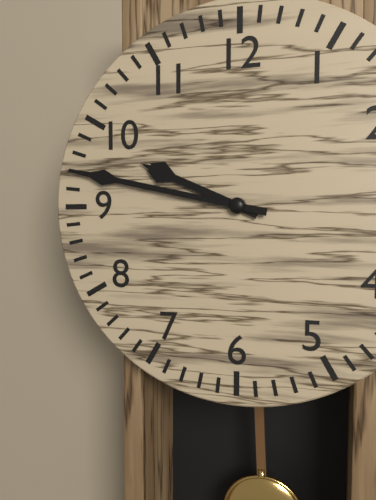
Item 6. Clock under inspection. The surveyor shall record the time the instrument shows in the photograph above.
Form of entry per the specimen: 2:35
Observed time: 9:47
